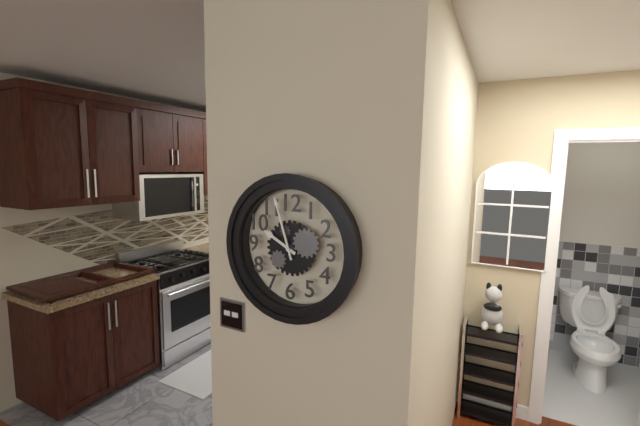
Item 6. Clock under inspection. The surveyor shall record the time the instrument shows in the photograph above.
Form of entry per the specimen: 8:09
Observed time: 9:57
